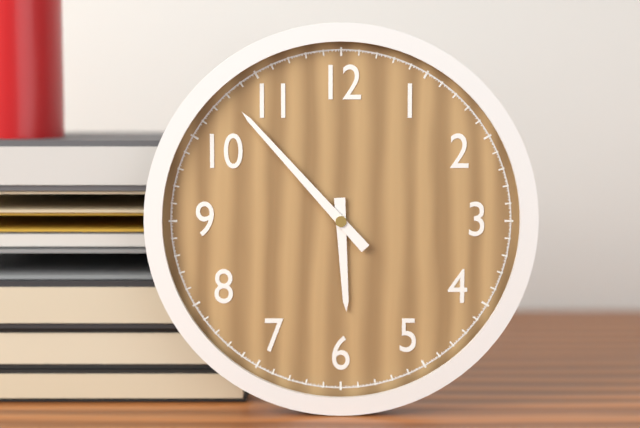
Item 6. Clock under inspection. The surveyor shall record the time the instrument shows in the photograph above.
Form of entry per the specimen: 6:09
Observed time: 5:53
